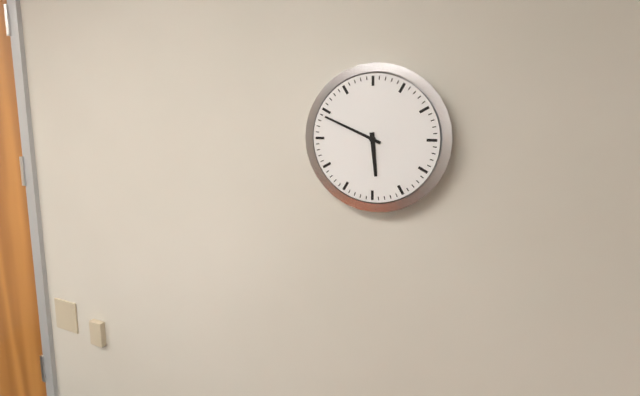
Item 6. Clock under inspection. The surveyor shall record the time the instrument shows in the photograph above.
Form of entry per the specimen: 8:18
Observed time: 5:49
